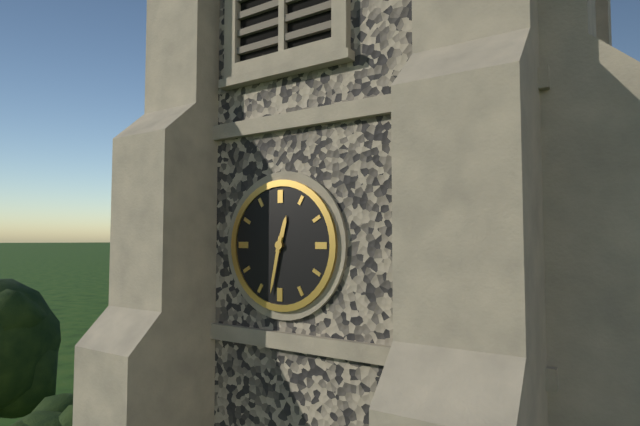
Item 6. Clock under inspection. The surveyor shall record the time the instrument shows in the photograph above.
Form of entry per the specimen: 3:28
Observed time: 12:32
